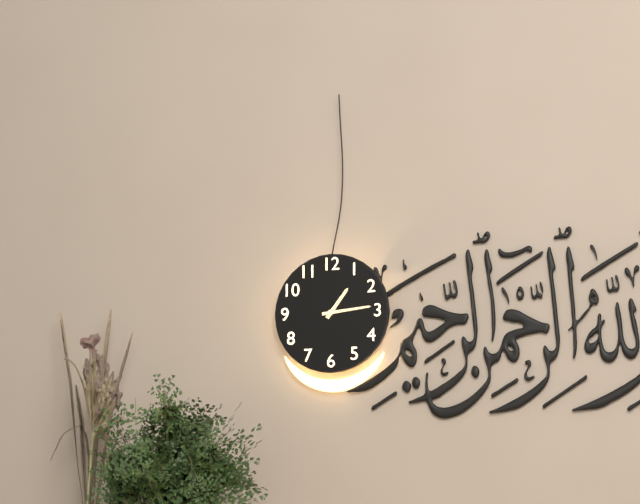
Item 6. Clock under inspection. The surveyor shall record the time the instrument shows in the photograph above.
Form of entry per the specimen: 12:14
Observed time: 1:14
